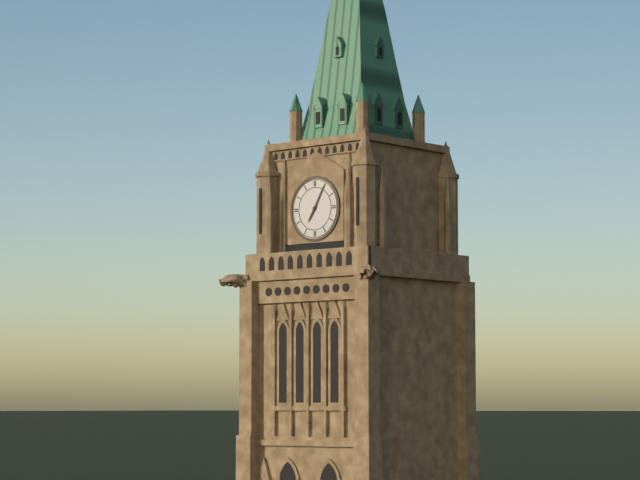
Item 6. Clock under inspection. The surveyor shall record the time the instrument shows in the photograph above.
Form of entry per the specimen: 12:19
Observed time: 7:05
